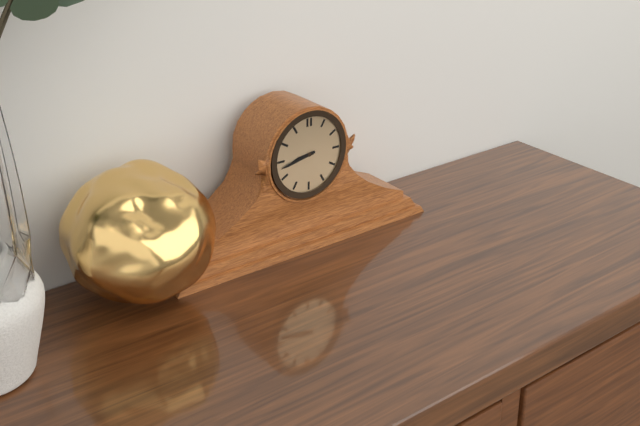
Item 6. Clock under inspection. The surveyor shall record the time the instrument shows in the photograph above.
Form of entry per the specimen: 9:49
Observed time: 8:43
